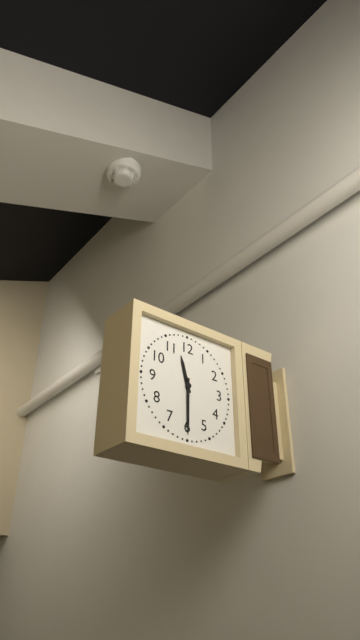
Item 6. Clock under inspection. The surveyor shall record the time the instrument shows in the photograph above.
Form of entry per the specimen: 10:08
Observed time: 11:30
